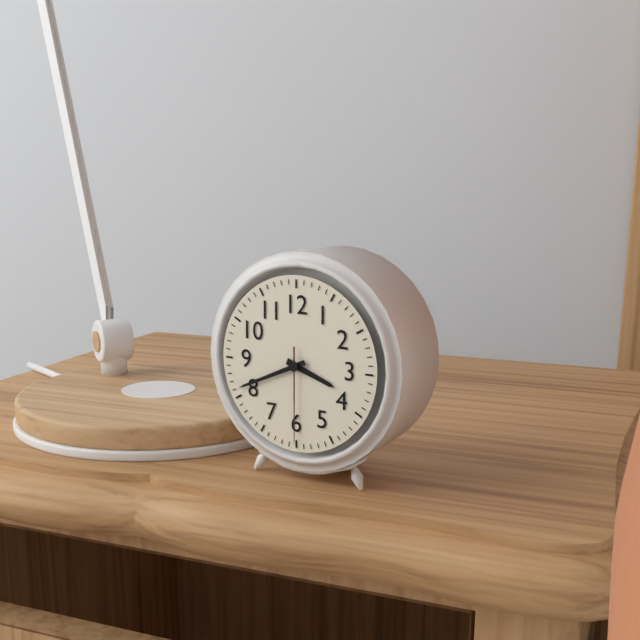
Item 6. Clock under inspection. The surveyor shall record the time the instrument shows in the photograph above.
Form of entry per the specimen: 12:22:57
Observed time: 3:41:30
